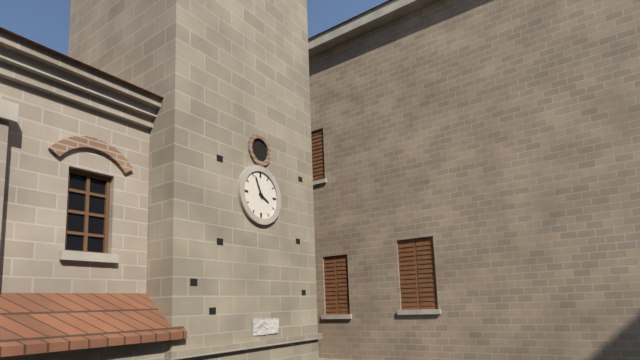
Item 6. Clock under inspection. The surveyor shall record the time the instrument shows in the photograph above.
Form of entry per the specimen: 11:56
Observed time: 3:56
